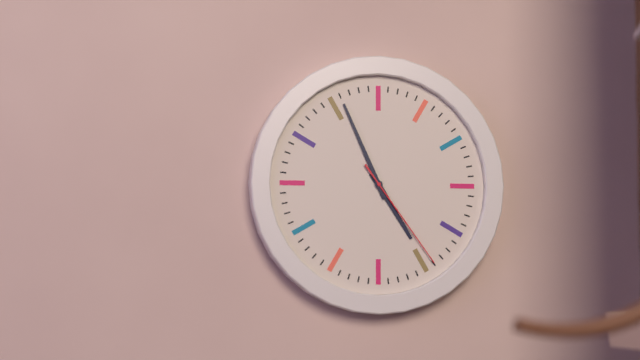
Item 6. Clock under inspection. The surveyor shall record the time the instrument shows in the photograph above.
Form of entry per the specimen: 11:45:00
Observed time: 4:56:24
